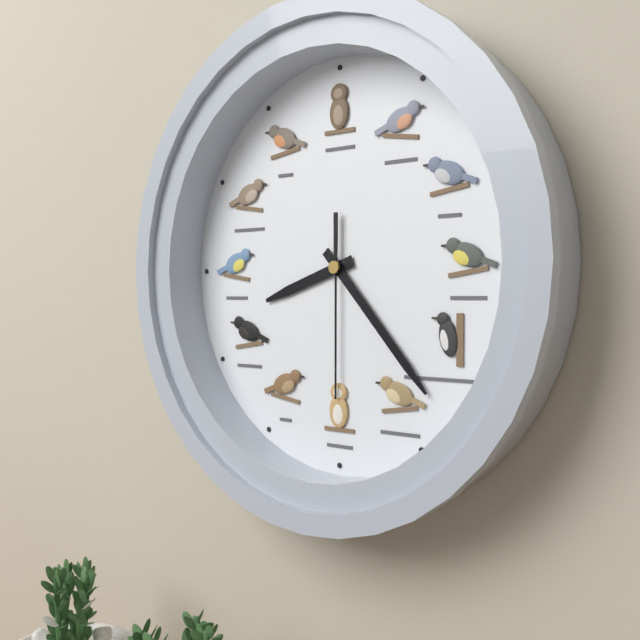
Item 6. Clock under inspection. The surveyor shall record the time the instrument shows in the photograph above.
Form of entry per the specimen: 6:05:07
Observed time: 8:23:30
